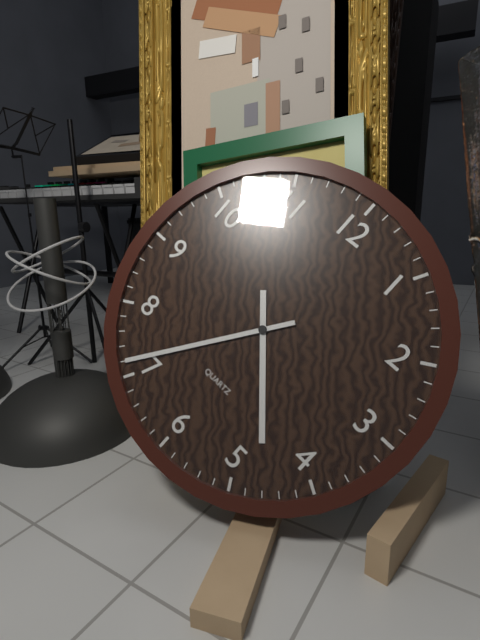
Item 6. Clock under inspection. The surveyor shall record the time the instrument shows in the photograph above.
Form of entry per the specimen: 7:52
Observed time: 4:36
